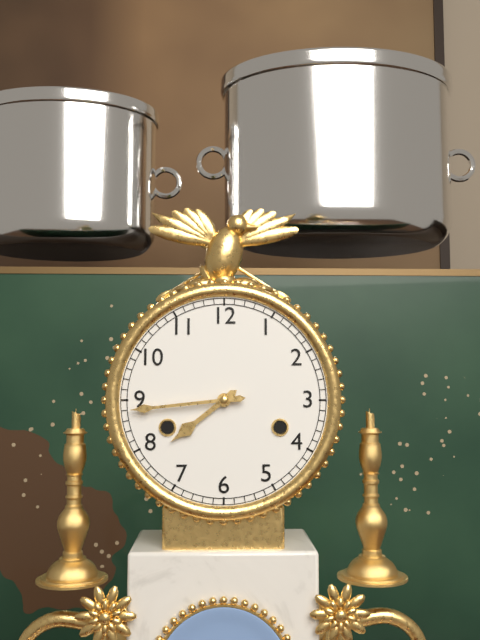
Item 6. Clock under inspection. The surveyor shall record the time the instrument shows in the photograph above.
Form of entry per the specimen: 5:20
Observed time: 7:44
